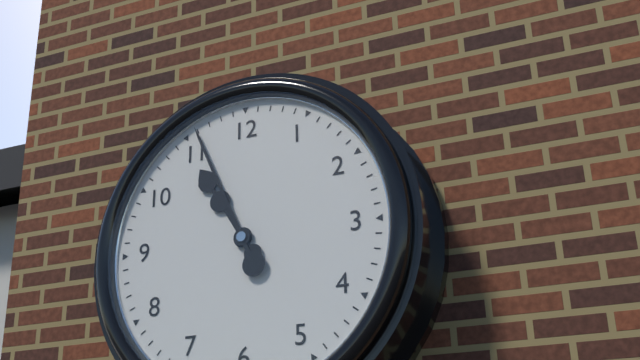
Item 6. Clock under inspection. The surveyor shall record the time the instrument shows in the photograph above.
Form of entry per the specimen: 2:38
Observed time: 10:56
